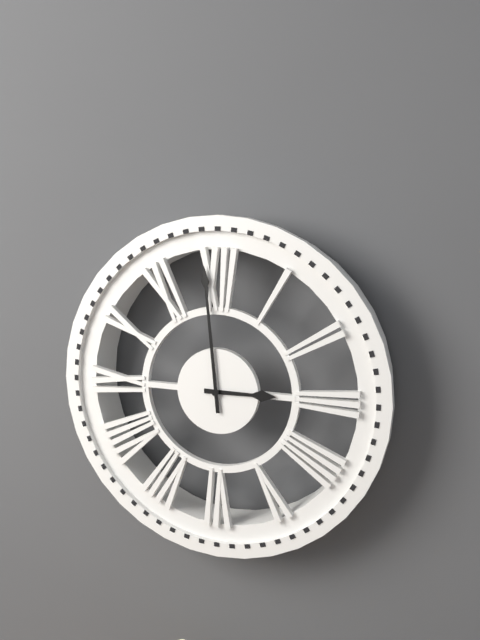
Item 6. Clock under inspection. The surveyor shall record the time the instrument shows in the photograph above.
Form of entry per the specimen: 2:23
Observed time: 2:59
